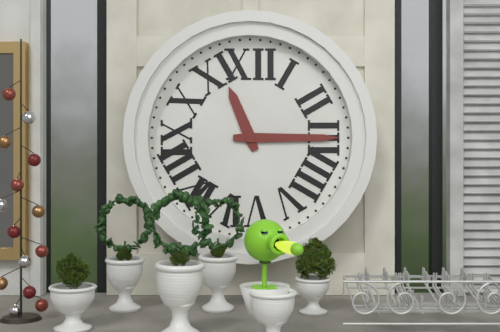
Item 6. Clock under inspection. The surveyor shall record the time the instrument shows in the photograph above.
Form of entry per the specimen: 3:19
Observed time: 11:15
